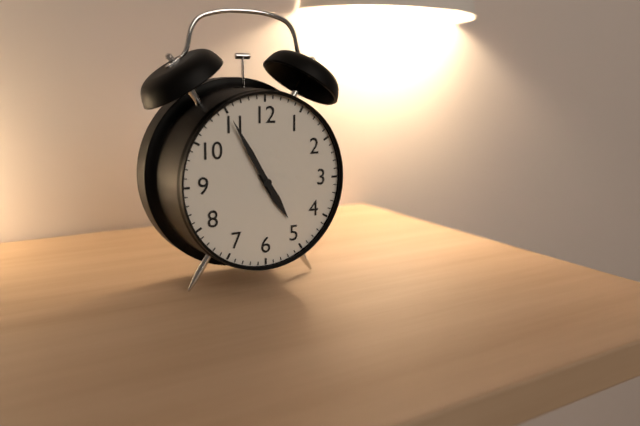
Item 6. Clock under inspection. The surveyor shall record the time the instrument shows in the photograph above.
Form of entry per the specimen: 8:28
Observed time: 4:55
